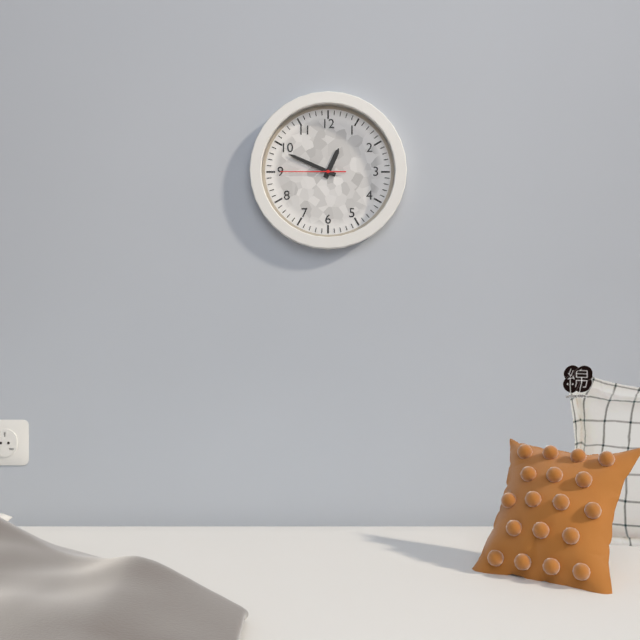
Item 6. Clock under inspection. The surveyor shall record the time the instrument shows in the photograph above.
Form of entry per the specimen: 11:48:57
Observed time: 12:49:45
